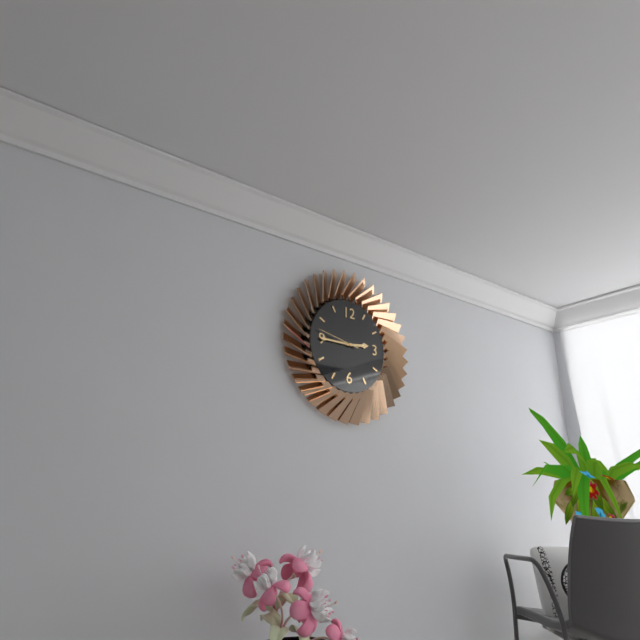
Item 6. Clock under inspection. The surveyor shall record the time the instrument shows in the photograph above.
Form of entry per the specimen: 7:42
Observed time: 2:45
